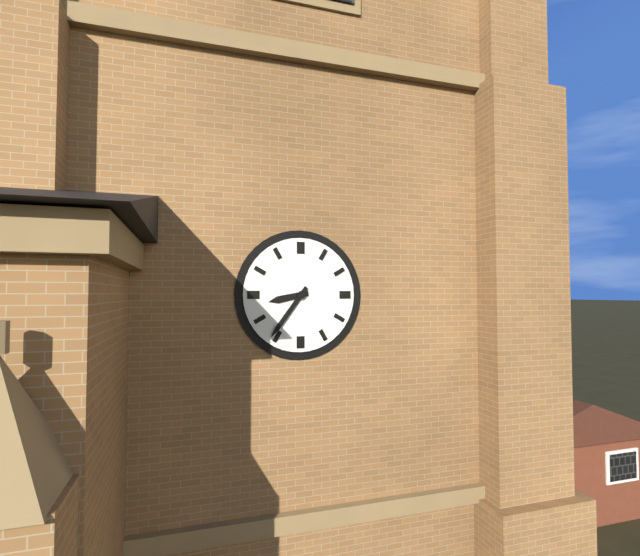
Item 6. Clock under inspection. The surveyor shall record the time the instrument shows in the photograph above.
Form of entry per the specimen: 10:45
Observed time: 8:36
